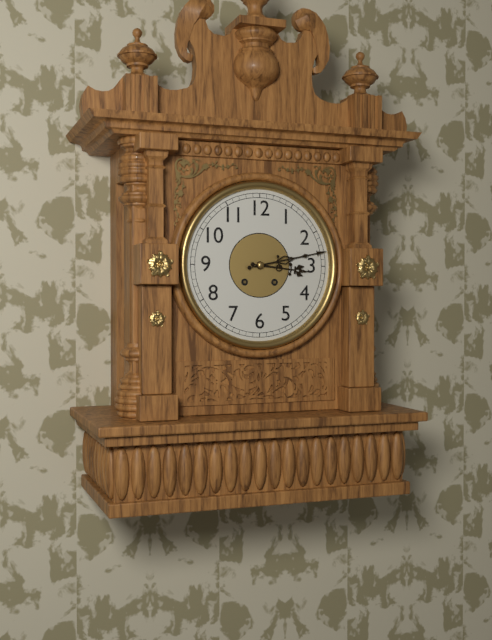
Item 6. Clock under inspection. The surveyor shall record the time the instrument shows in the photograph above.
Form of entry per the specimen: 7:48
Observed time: 3:13
